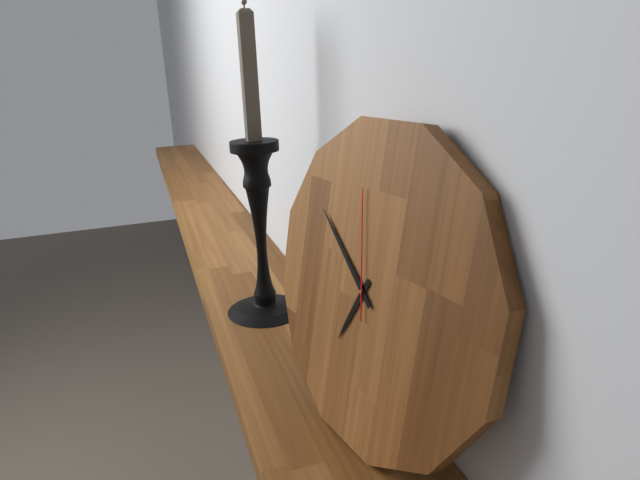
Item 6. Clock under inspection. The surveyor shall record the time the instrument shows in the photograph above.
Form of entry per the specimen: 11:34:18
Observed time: 6:51:58
